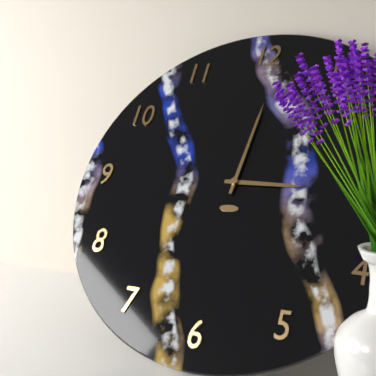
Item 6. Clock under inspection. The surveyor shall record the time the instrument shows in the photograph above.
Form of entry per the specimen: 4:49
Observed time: 3:01
